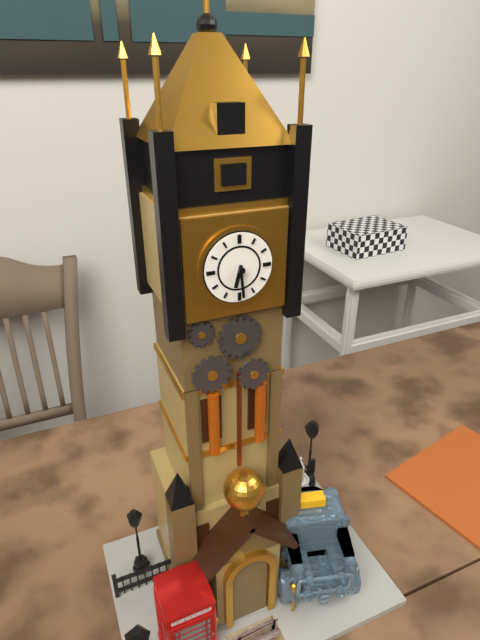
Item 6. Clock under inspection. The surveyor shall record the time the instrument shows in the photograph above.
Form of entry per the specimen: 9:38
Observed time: 6:29
